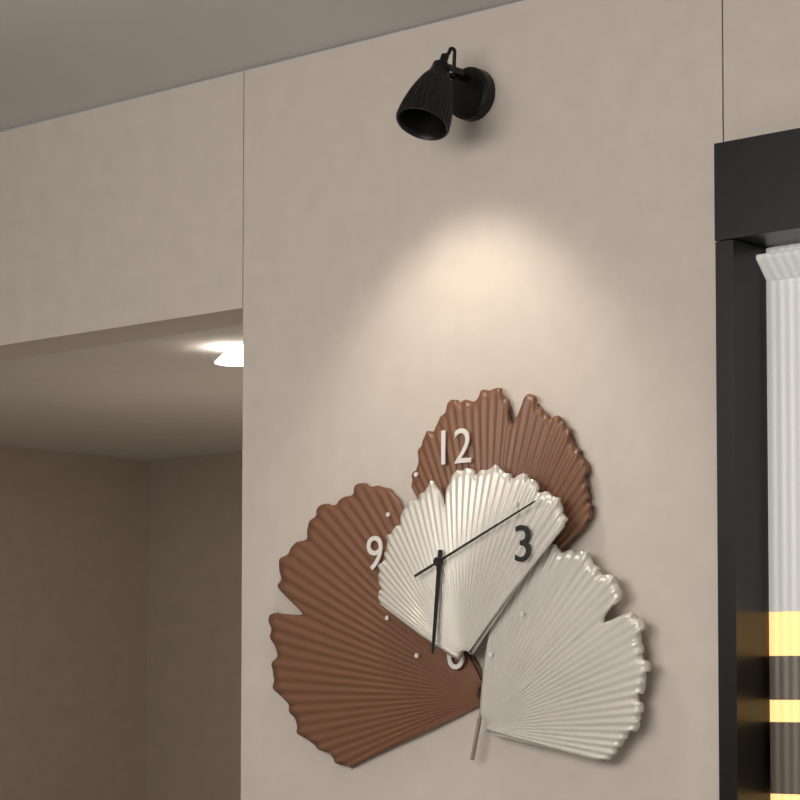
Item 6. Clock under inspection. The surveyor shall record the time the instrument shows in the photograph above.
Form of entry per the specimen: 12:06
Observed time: 6:11
